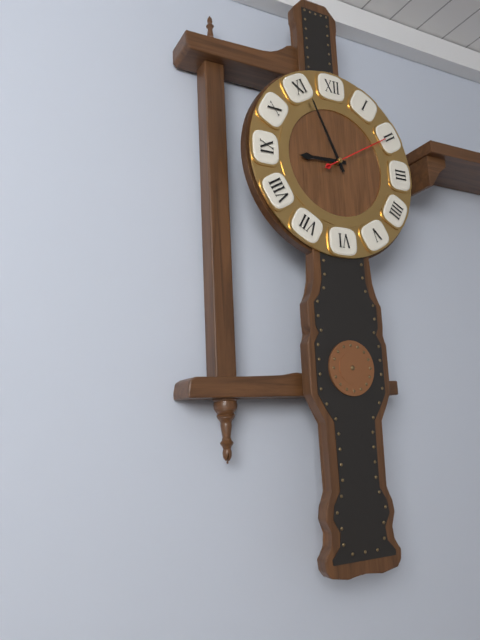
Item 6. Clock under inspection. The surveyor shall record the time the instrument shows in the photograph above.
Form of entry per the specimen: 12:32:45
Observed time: 8:56:10
